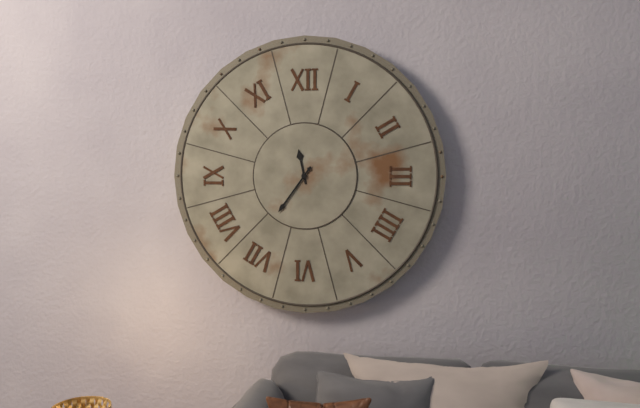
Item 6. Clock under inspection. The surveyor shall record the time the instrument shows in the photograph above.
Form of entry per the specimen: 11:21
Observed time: 11:36
